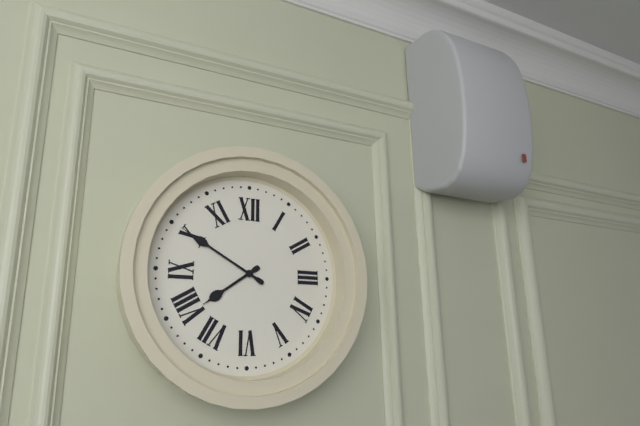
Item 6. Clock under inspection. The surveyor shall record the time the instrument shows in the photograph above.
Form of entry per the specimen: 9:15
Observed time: 7:50
